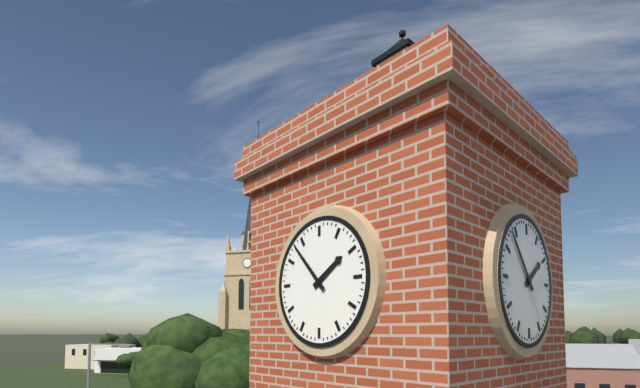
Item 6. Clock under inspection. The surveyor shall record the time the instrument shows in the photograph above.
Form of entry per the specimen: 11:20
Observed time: 1:53
